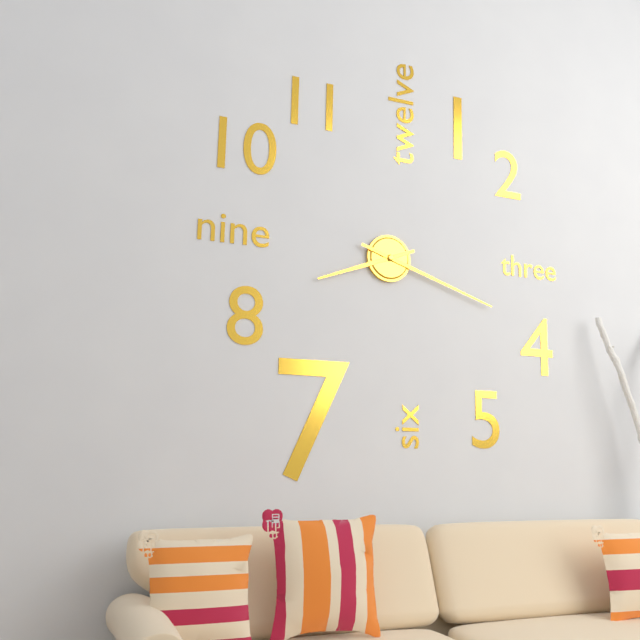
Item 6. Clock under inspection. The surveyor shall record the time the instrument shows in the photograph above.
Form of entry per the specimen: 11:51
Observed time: 8:18
